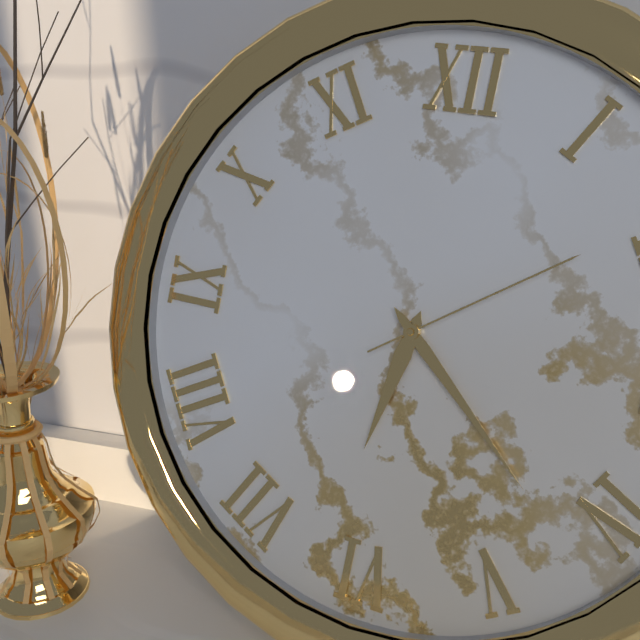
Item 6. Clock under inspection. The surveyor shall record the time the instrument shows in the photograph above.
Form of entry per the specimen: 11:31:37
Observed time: 6:22:09
